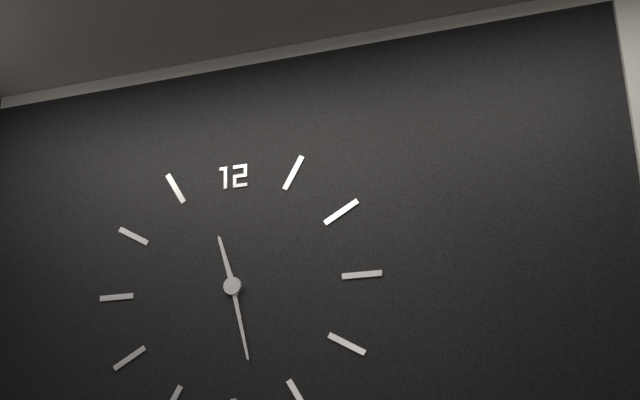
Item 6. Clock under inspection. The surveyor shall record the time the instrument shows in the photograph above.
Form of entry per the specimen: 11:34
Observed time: 11:28
